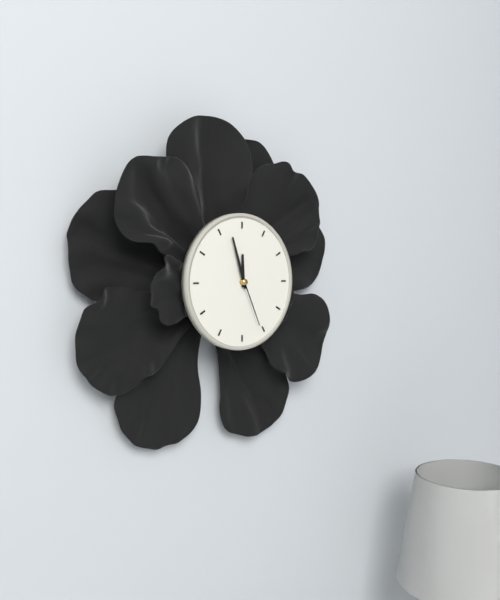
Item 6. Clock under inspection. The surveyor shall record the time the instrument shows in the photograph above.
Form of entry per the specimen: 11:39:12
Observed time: 11:57:26
